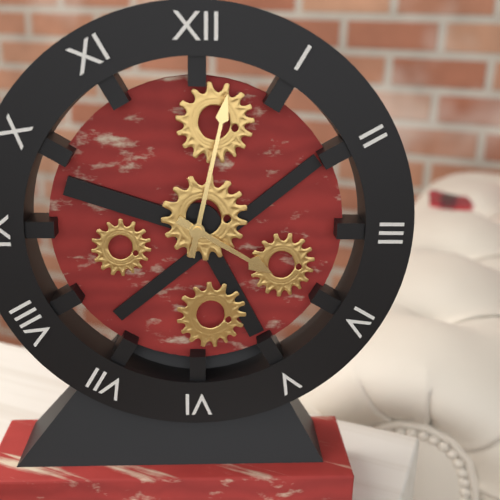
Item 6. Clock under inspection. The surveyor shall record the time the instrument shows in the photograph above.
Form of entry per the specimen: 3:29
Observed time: 4:02
